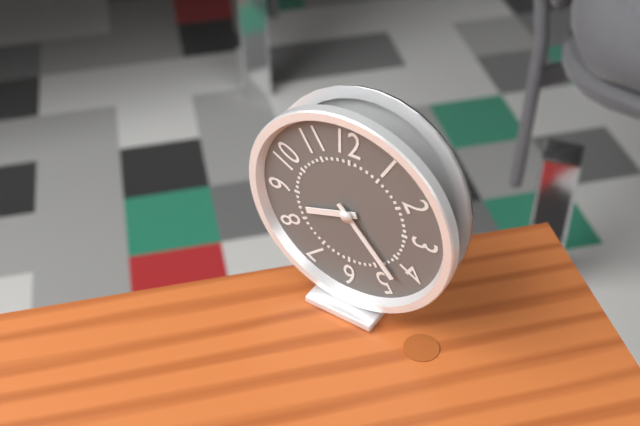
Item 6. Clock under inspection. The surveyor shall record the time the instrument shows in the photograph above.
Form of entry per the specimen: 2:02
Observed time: 8:23
